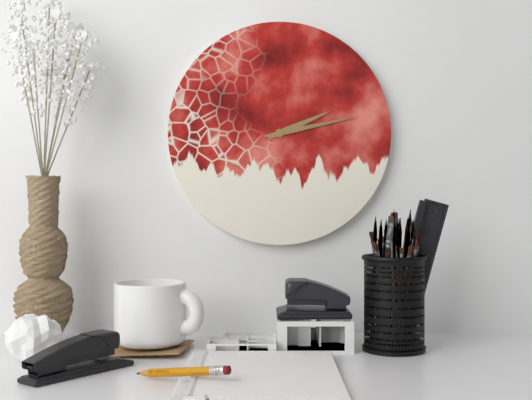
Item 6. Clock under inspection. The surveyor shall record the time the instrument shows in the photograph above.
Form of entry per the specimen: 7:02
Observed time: 2:13
